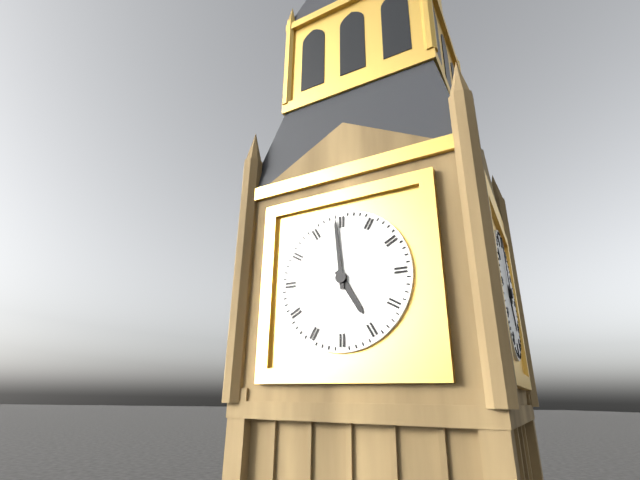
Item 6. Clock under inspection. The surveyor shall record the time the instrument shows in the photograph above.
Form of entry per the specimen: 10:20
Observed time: 4:59
